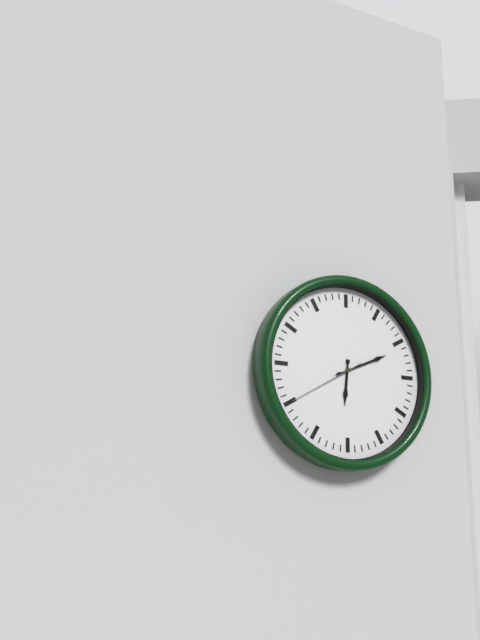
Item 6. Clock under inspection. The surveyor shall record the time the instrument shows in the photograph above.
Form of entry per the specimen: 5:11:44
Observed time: 6:11:40
